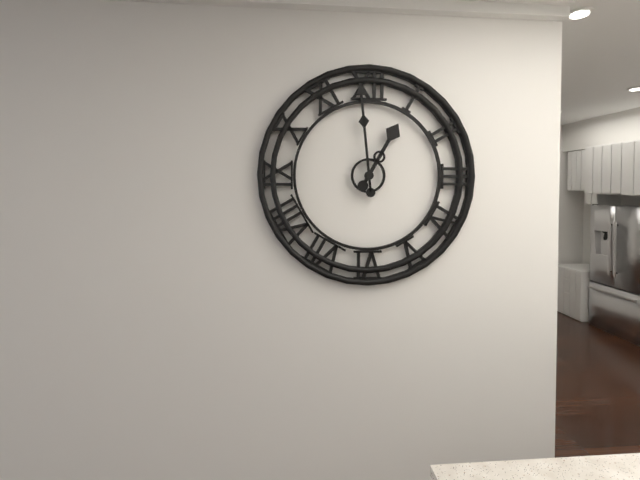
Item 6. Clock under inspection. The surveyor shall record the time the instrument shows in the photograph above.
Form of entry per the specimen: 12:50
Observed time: 12:59
